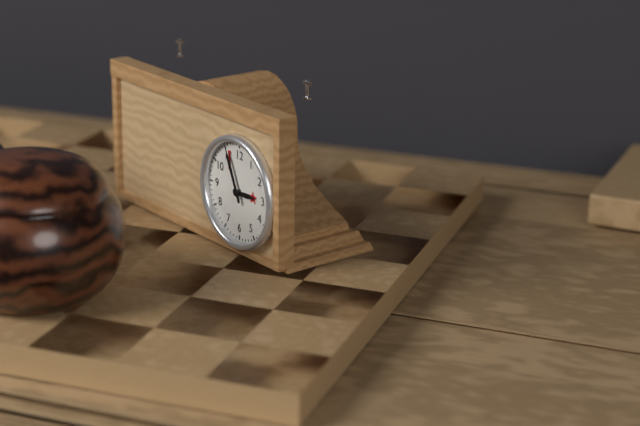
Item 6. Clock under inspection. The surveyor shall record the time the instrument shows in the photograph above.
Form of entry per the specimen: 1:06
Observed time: 2:56
